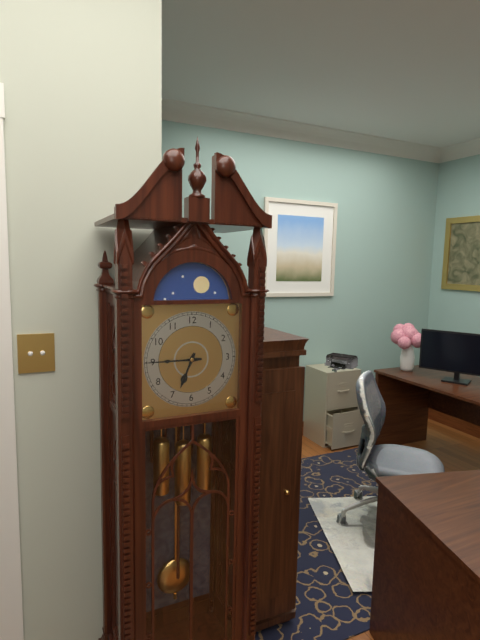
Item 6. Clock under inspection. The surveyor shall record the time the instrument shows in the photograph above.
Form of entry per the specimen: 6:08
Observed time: 6:45
